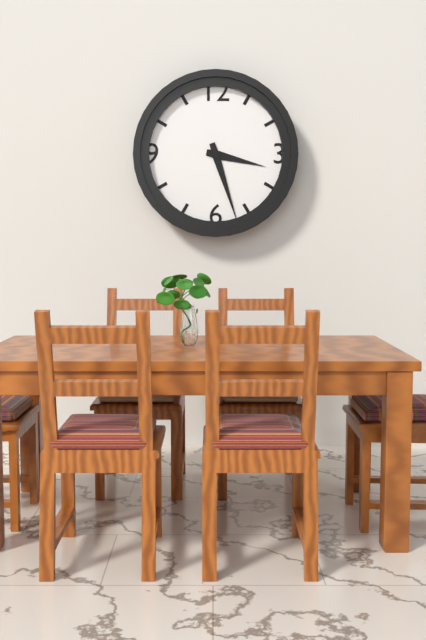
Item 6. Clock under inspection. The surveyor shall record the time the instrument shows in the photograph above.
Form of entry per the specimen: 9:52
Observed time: 3:27
